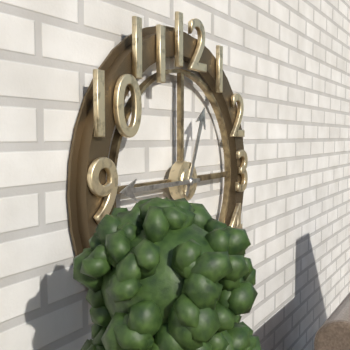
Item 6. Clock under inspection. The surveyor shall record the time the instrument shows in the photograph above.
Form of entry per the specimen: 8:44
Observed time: 12:45
